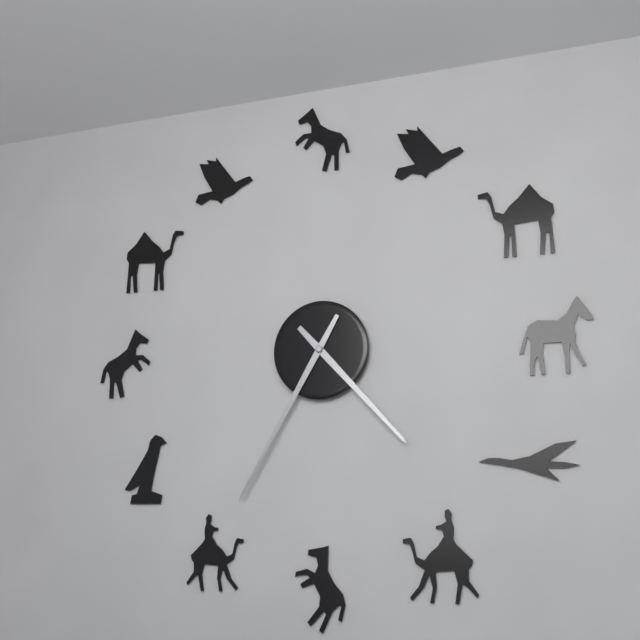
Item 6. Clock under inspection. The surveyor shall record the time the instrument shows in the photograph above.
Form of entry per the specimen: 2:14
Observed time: 4:35
